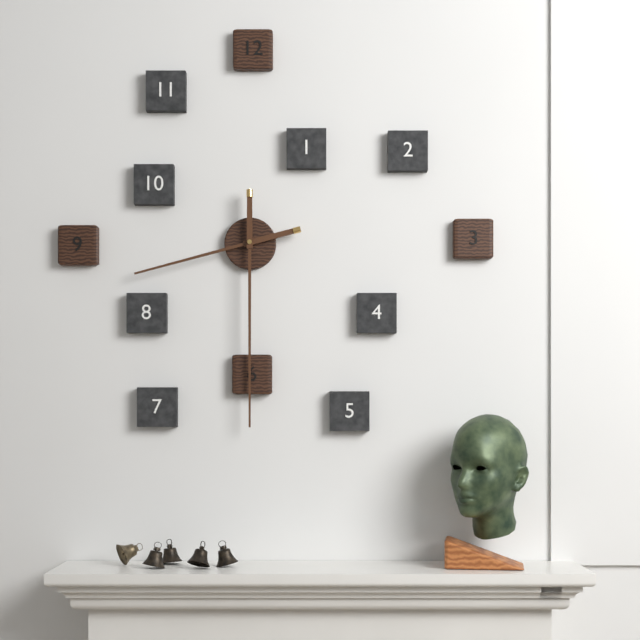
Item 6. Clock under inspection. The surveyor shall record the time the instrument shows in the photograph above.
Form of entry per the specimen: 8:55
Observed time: 8:30
